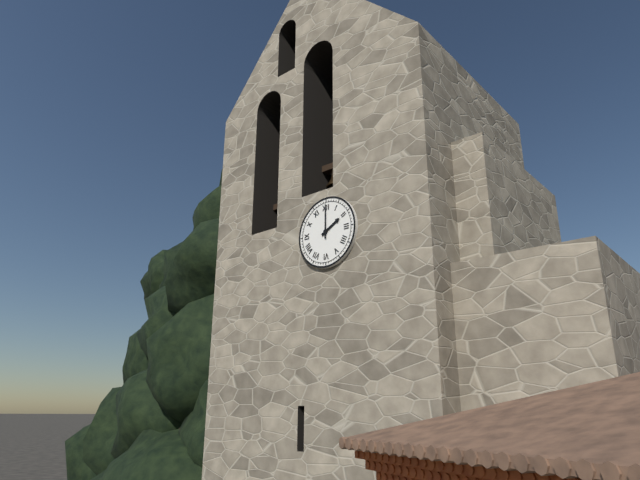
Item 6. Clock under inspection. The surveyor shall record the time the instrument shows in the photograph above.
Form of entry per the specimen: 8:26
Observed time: 2:00
